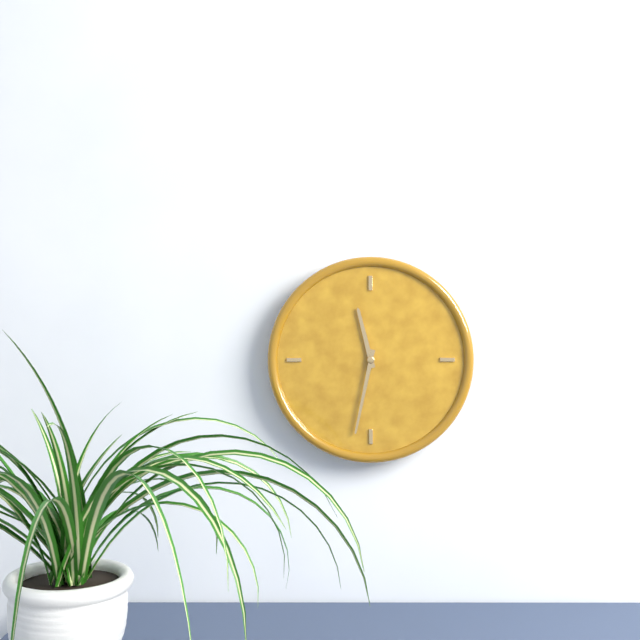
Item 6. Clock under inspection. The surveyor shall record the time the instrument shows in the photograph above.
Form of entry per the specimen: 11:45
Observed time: 11:32
